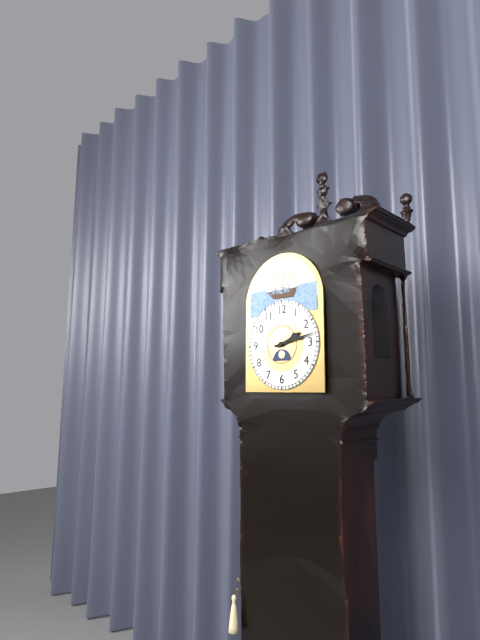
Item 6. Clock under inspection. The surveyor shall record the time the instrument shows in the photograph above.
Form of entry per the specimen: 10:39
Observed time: 2:13
